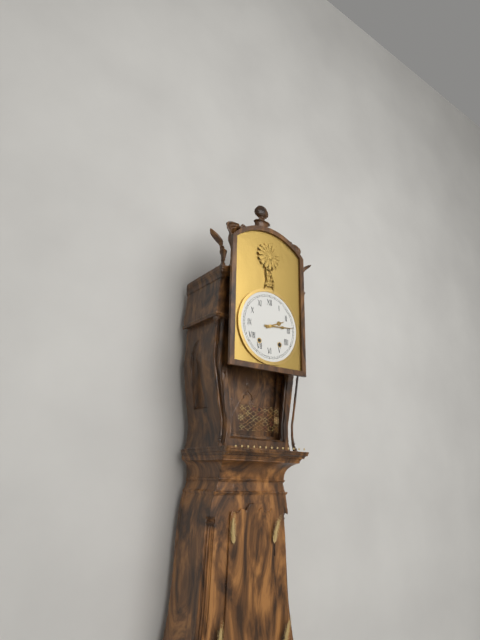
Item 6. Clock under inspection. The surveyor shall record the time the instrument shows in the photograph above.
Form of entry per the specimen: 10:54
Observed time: 2:14
